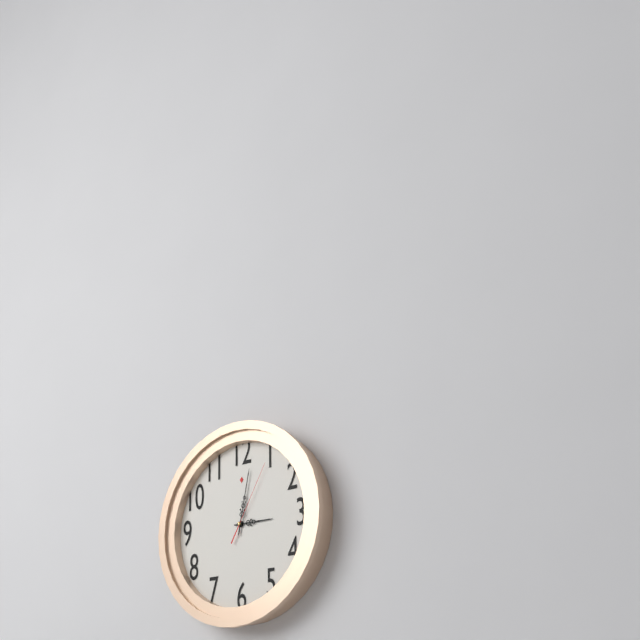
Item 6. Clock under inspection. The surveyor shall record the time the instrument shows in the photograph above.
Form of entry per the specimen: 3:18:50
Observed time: 3:02:05
